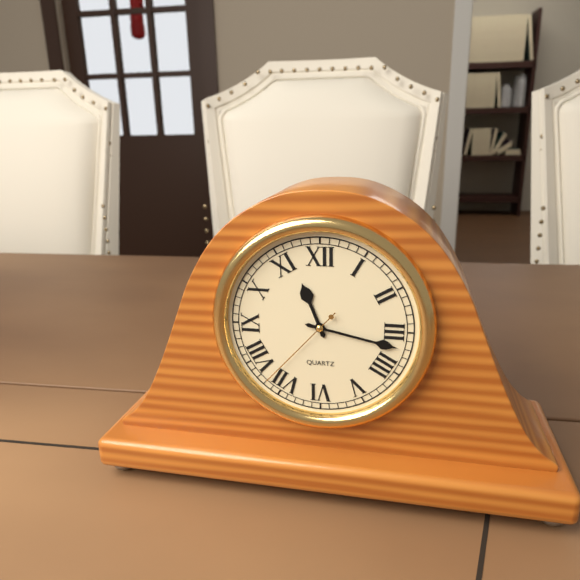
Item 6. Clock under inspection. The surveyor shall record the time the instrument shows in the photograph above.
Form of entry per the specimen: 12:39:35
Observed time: 11:17:37
